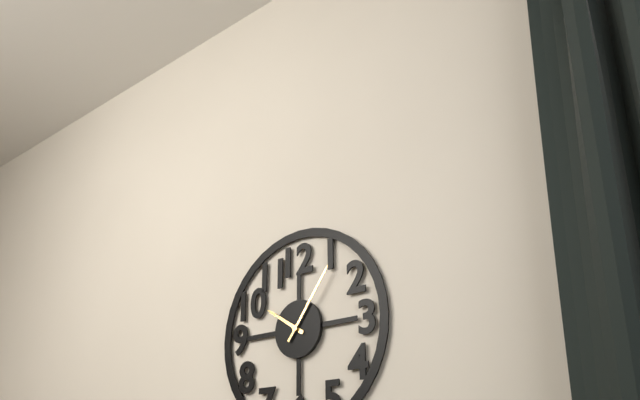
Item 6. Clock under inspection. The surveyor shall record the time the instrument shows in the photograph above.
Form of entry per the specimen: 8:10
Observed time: 10:06
